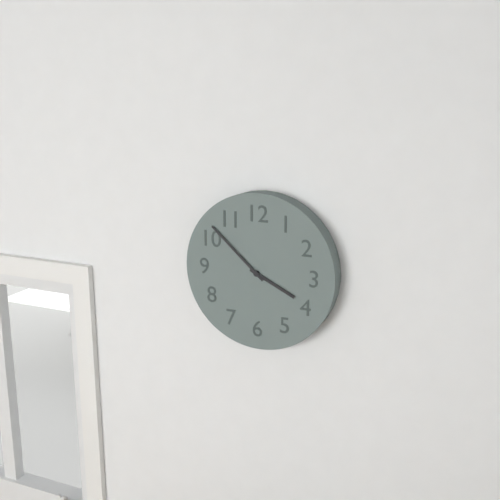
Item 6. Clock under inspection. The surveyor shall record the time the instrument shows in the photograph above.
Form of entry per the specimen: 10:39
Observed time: 3:52
